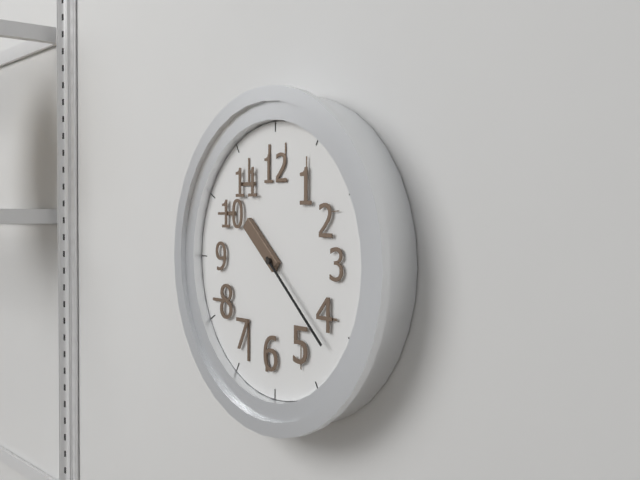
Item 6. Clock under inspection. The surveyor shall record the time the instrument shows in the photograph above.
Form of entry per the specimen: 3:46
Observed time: 10:22
